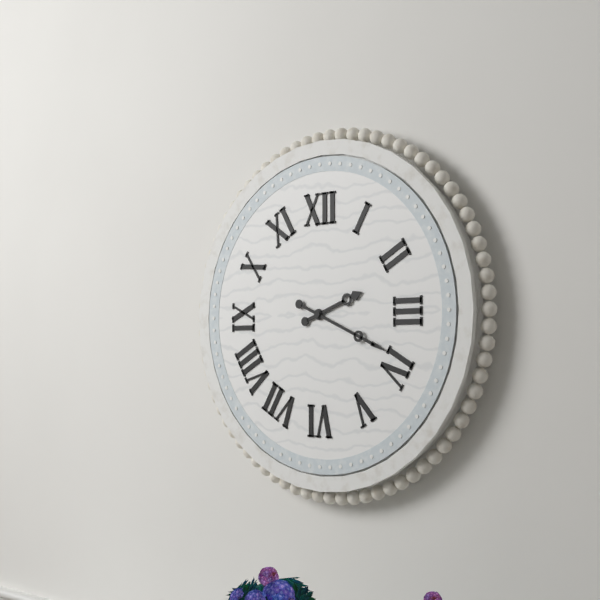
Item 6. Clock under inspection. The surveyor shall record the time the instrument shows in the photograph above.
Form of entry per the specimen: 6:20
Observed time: 2:19
